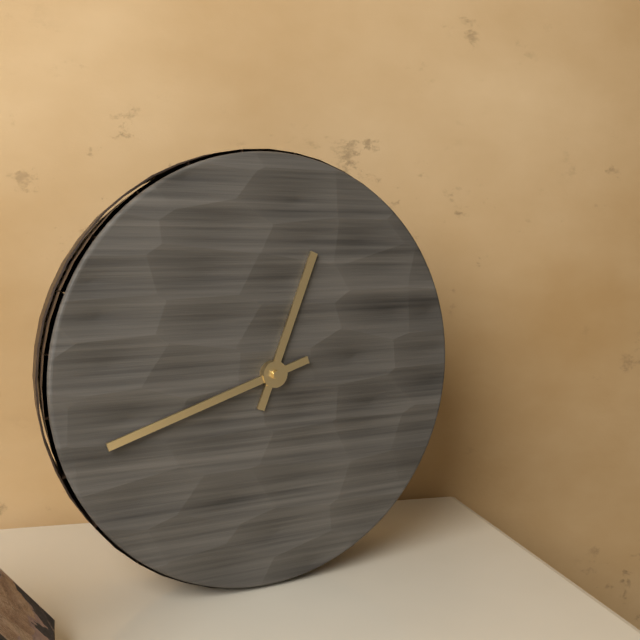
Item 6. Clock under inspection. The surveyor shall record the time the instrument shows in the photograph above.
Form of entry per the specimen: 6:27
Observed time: 12:42
